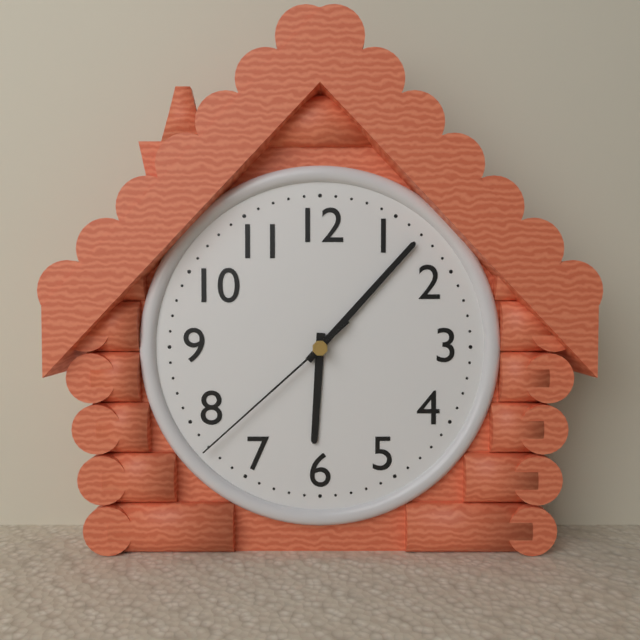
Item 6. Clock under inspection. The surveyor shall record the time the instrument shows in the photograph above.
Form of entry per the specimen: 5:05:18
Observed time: 6:07:38
